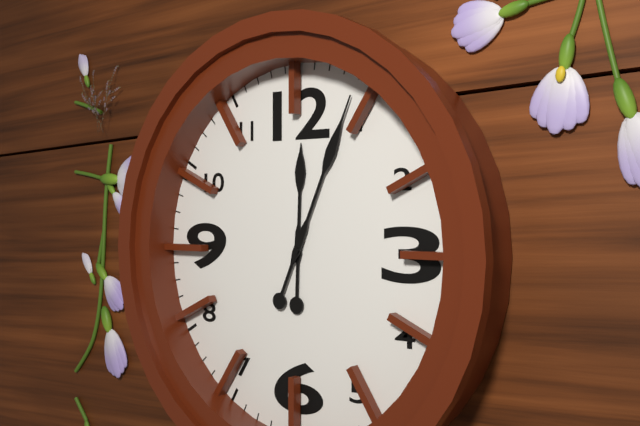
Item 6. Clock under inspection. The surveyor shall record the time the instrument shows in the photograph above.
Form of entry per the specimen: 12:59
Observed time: 12:04
